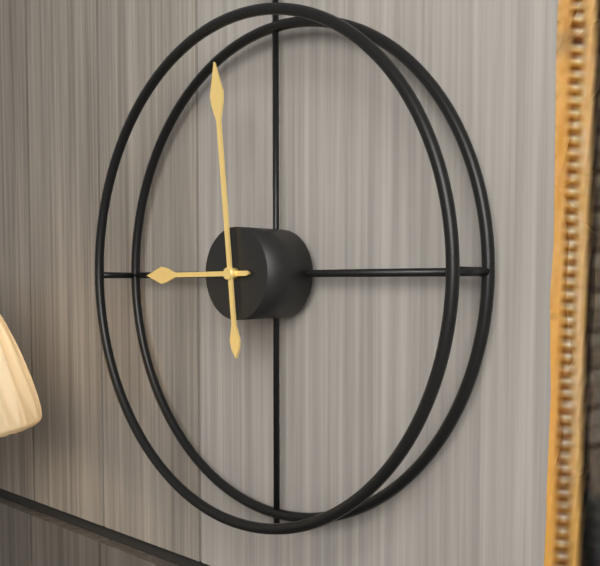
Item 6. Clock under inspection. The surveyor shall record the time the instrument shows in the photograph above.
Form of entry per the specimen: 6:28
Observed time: 8:59
